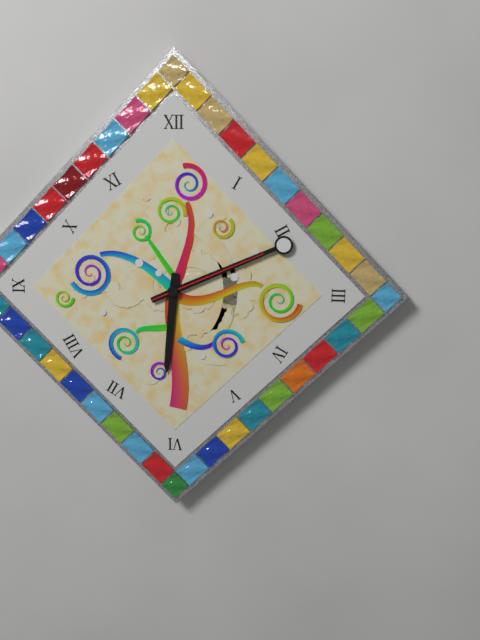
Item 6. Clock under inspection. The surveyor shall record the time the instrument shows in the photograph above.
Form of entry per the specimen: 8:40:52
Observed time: 6:11:11
